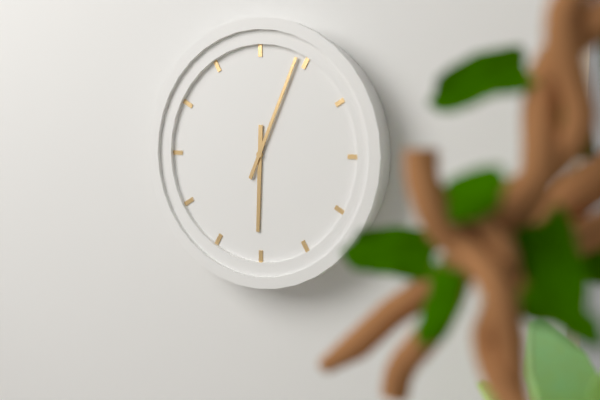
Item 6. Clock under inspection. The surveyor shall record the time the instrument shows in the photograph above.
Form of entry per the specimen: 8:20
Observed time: 6:04
